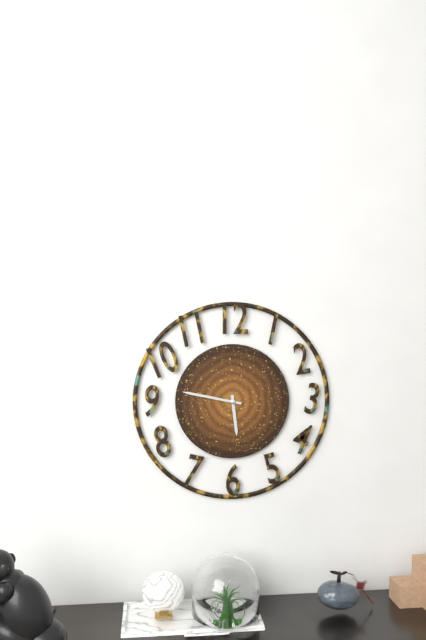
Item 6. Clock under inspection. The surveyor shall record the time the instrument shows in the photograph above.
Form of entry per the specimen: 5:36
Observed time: 5:47
